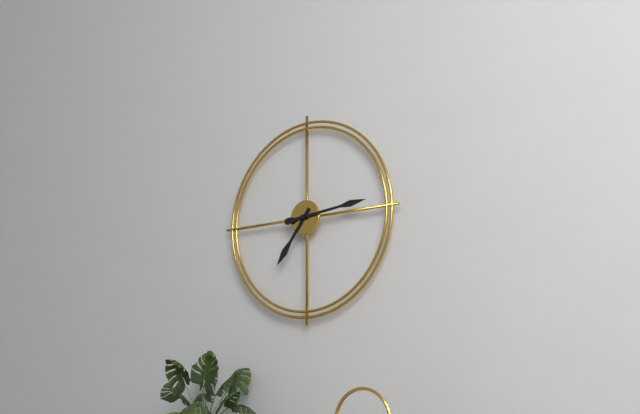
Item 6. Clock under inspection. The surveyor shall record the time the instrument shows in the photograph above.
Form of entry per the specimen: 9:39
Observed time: 7:14
